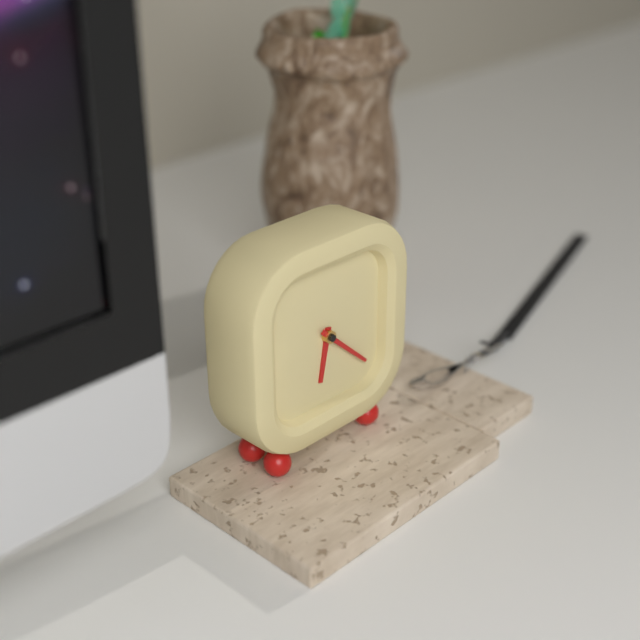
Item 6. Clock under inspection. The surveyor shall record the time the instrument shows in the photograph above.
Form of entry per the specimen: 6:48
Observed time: 6:22
